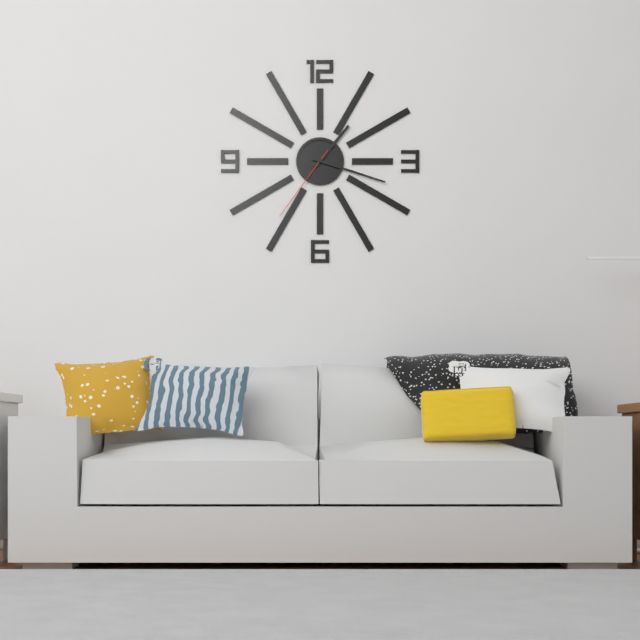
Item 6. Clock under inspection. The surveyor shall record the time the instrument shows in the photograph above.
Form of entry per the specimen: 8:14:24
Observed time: 1:18:36
